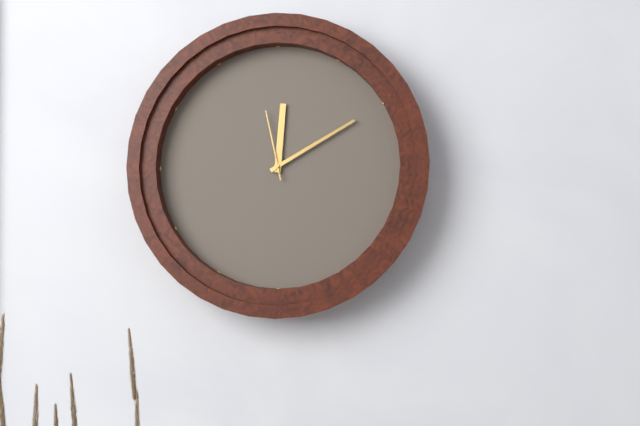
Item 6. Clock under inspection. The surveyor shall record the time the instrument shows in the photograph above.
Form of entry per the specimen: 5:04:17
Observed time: 12:10:58
